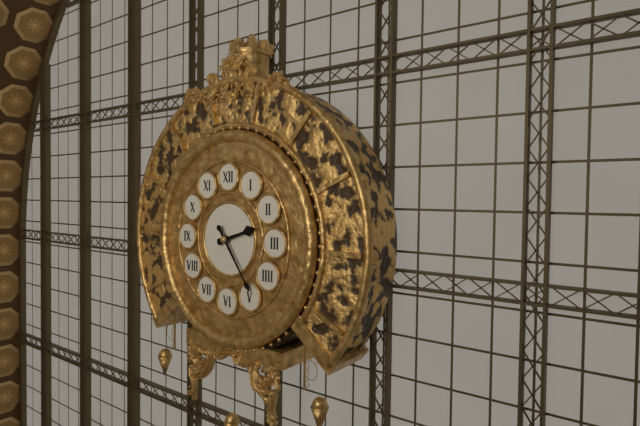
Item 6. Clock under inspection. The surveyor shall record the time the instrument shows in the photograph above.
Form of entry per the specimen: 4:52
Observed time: 2:24
